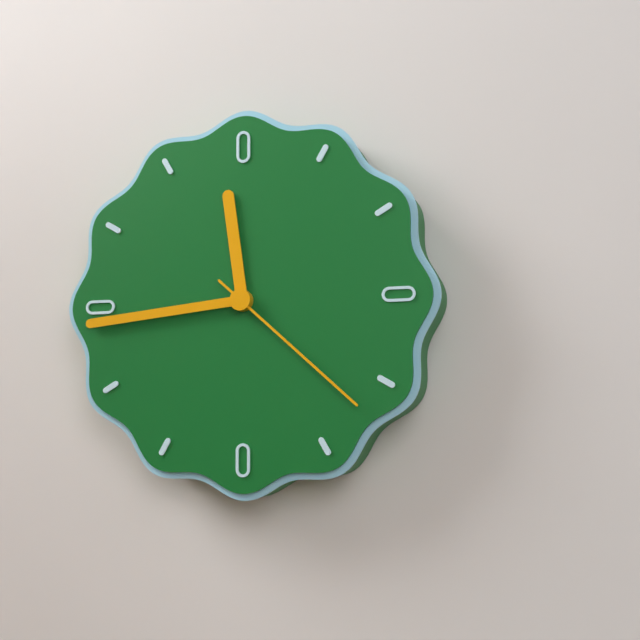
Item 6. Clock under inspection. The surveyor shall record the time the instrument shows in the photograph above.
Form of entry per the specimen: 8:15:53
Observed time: 11:44:22
